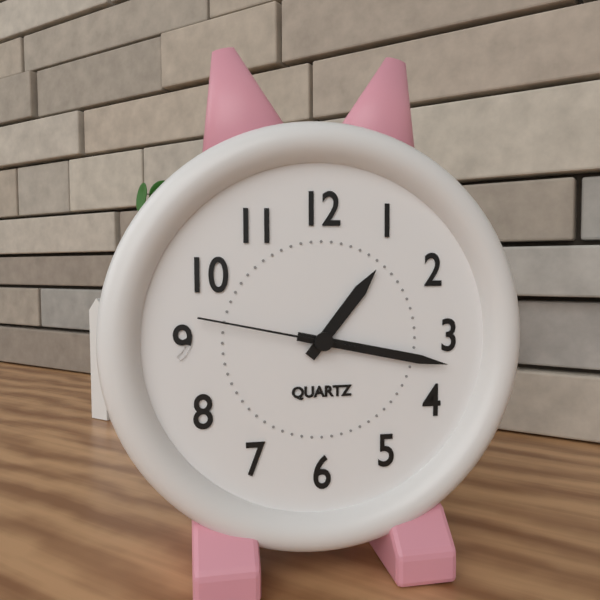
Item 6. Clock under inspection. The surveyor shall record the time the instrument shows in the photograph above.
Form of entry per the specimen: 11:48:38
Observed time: 1:17:47
